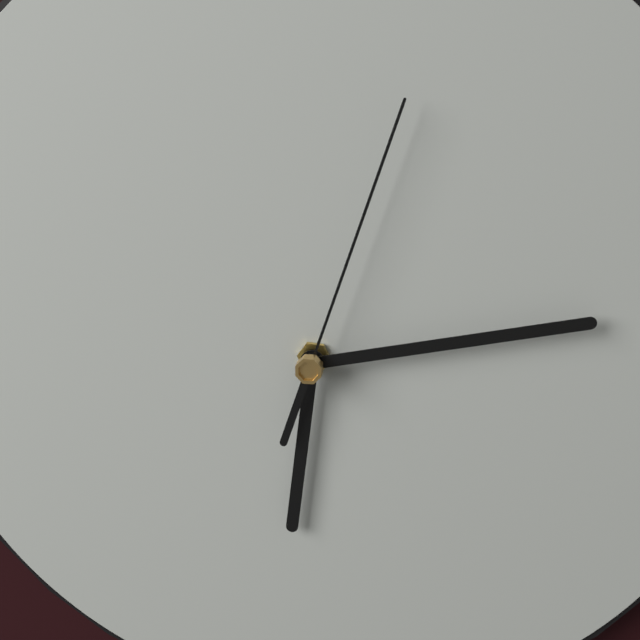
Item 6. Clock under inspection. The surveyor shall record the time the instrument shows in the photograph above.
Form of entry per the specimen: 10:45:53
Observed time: 6:13:03
